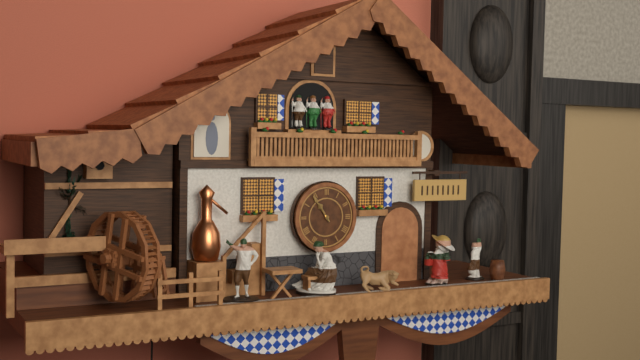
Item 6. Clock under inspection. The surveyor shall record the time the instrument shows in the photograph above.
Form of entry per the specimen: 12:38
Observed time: 10:54
